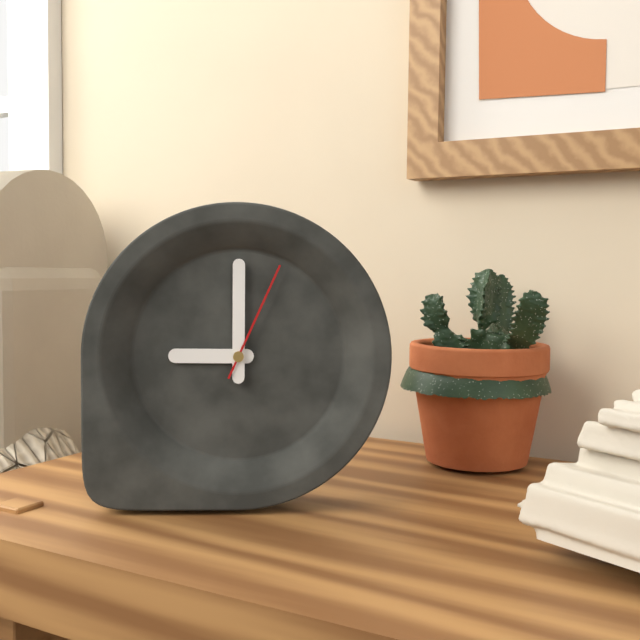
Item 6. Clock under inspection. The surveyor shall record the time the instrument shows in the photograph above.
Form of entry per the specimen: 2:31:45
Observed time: 9:00:04
